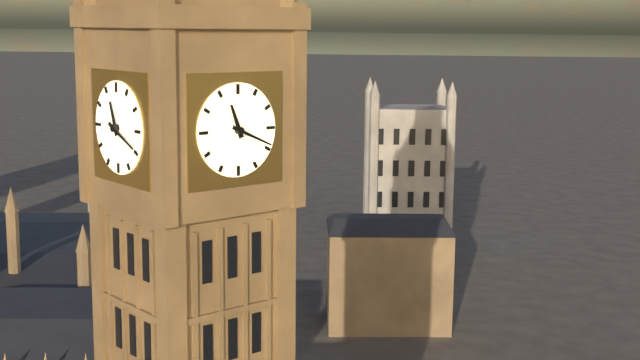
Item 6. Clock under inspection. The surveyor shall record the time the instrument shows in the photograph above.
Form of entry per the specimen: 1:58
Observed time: 11:19
